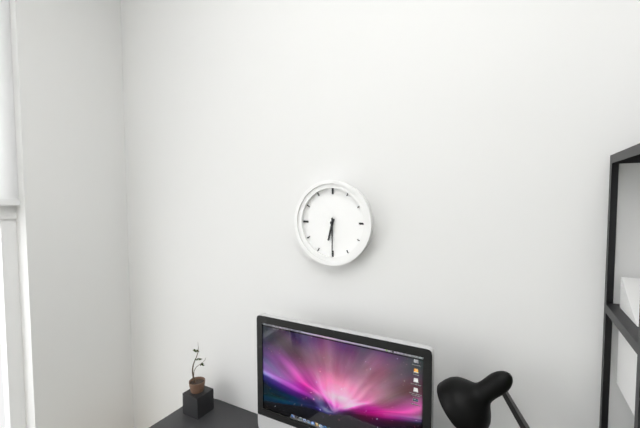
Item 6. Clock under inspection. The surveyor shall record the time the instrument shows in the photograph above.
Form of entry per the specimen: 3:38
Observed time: 6:30
